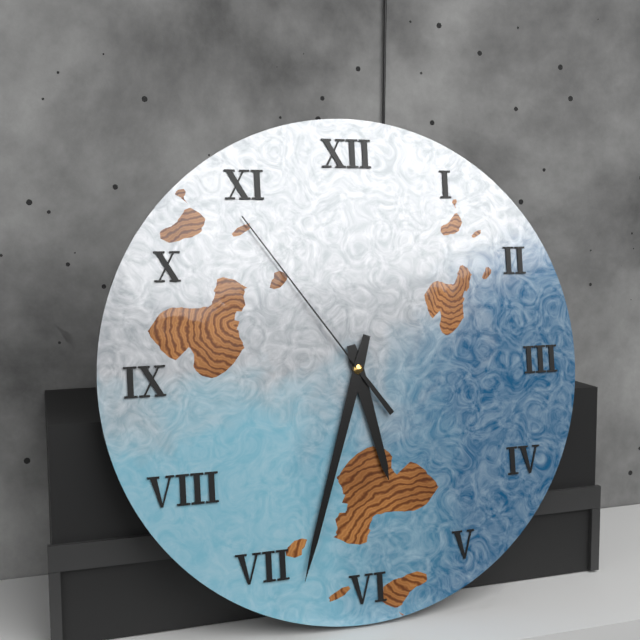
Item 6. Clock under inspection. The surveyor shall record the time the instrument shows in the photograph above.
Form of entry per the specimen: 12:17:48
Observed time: 5:33:54
